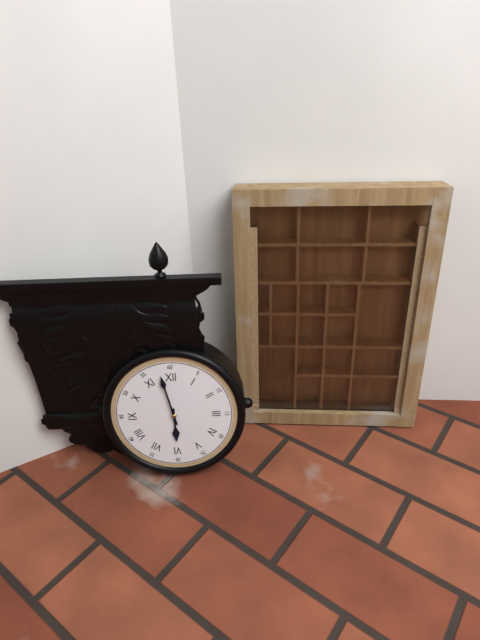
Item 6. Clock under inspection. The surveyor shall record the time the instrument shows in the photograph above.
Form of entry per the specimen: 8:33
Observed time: 5:58
